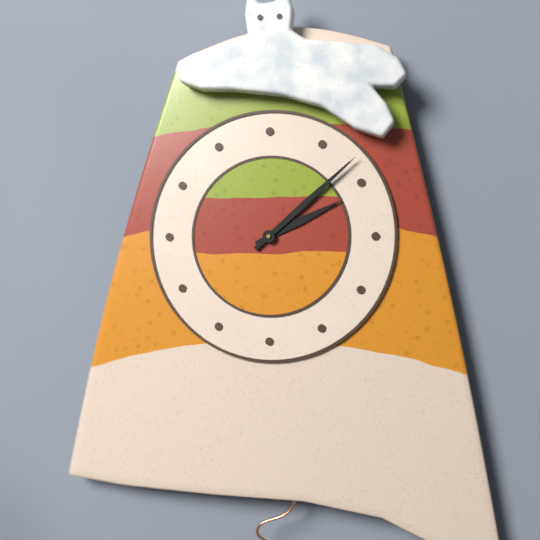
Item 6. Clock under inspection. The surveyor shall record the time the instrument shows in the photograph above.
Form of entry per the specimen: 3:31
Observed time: 2:08
